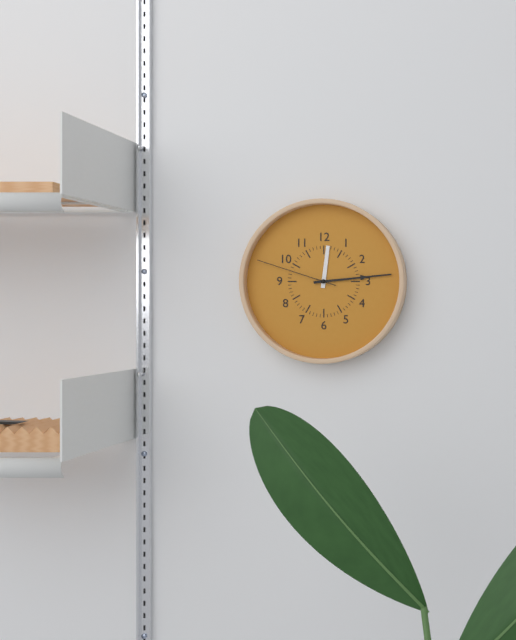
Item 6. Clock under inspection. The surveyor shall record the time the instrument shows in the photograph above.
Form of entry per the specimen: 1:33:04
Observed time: 12:14:48
